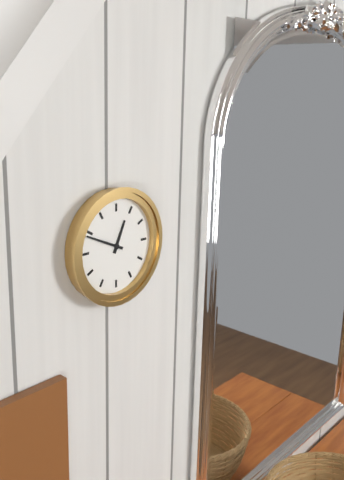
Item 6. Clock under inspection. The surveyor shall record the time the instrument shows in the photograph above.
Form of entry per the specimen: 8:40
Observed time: 12:49
